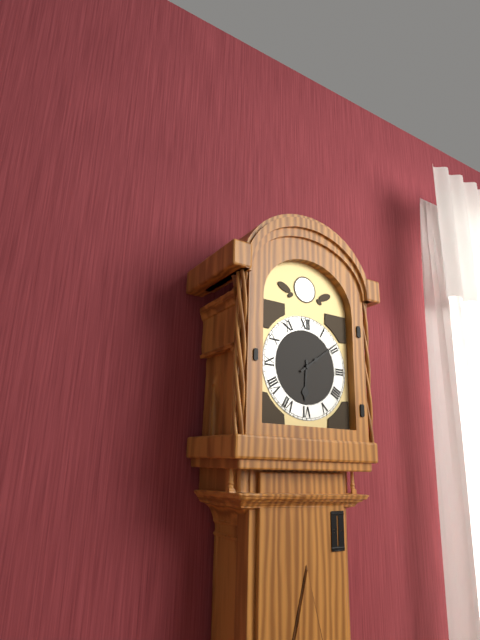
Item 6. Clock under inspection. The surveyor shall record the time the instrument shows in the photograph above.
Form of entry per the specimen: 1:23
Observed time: 6:09
